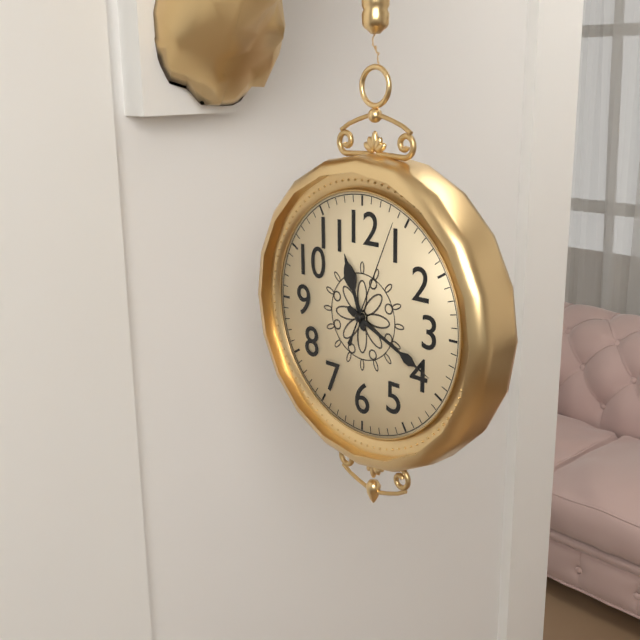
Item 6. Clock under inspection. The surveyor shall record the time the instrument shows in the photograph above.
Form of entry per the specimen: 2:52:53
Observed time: 11:19:04
